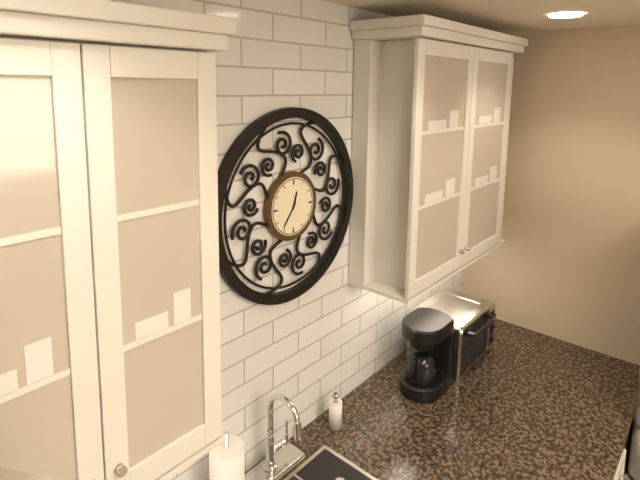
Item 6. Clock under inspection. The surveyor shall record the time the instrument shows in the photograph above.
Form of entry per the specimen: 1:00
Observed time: 12:36
